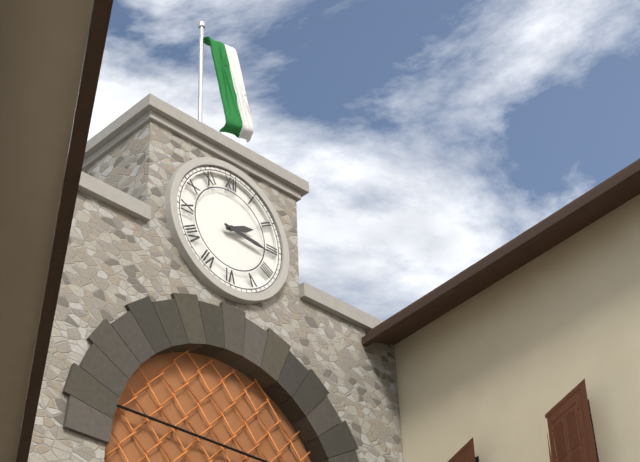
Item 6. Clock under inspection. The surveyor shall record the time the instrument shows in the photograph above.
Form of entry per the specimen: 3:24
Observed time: 2:16
